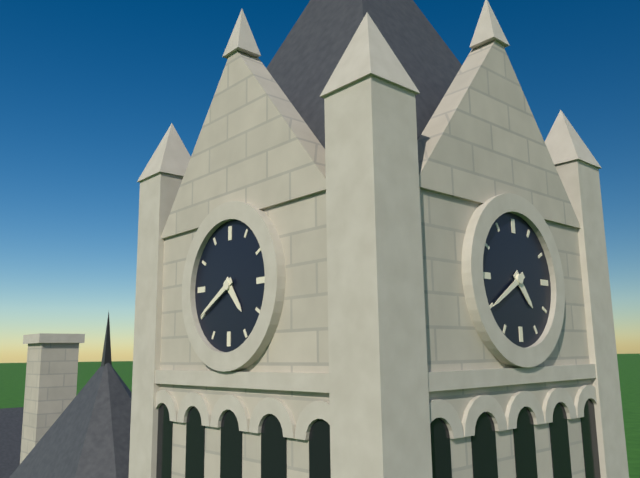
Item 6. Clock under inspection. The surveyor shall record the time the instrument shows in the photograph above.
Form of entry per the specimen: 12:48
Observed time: 4:40
